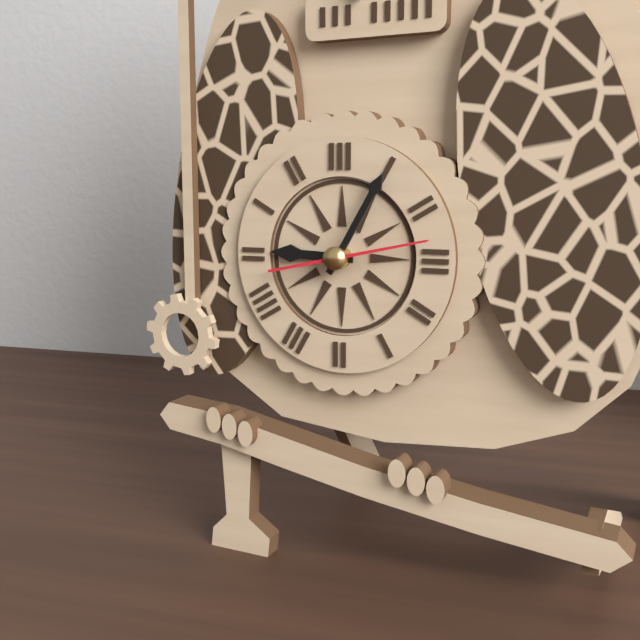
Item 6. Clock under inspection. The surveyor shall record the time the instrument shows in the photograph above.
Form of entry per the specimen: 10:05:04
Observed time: 9:05:13
